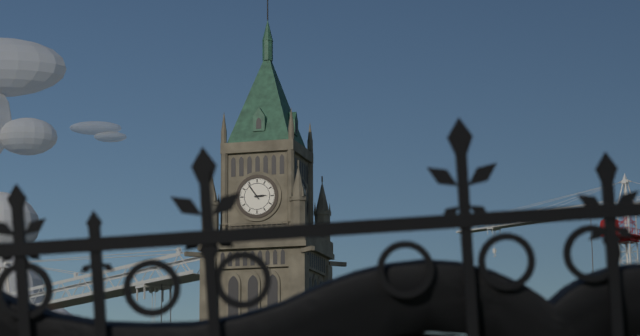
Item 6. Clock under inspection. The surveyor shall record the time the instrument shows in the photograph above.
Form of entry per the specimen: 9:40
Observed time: 2:54
